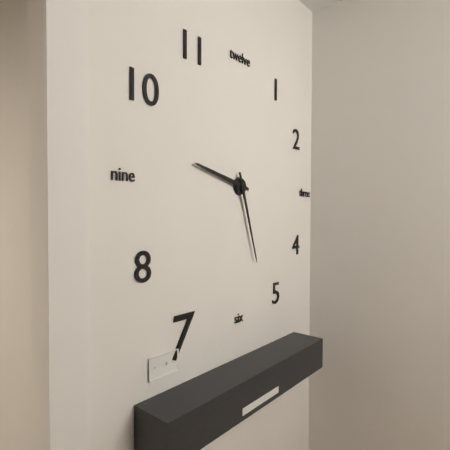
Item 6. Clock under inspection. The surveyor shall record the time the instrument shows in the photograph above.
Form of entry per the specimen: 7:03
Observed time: 9:27
